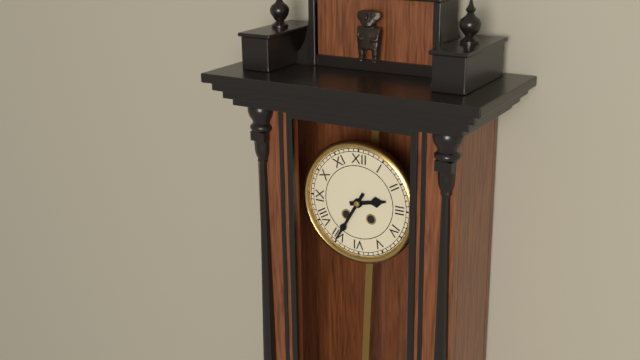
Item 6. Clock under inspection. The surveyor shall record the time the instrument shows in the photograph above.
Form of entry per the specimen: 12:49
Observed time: 2:35
